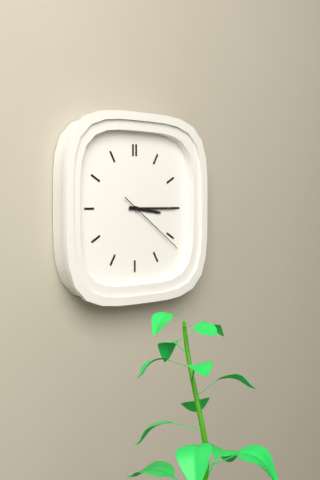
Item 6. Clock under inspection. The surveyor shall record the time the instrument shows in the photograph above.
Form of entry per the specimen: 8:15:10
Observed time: 3:15:21
